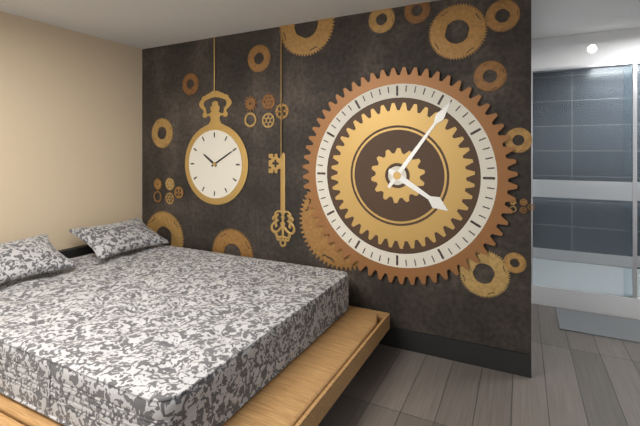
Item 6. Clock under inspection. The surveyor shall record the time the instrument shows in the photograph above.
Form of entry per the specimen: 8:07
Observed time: 4:06
